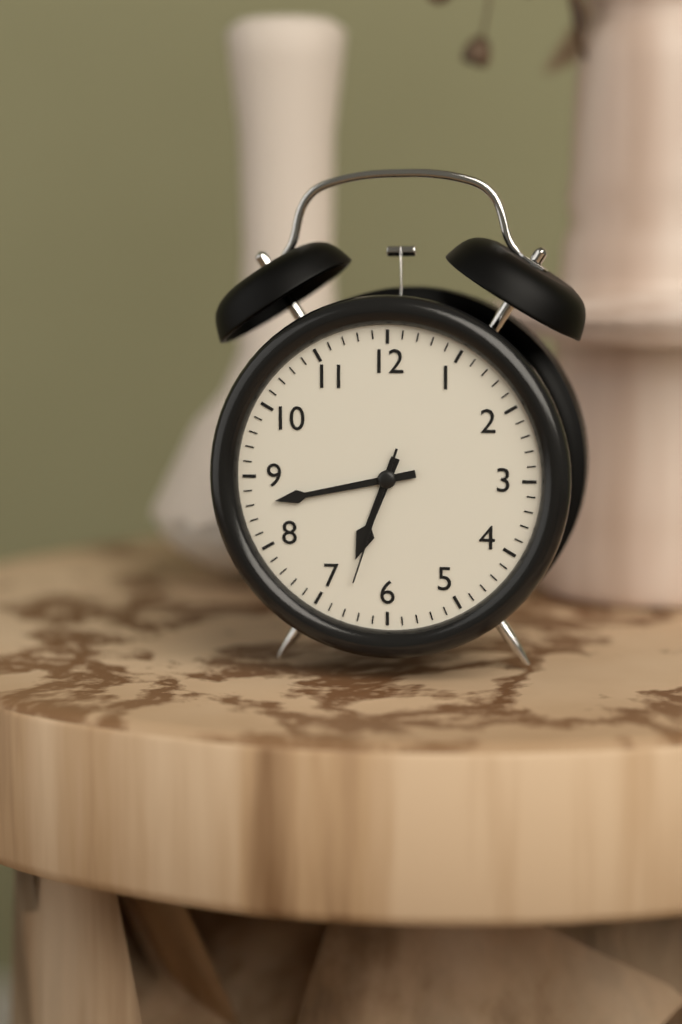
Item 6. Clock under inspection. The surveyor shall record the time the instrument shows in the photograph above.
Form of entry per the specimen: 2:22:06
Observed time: 6:43:33
